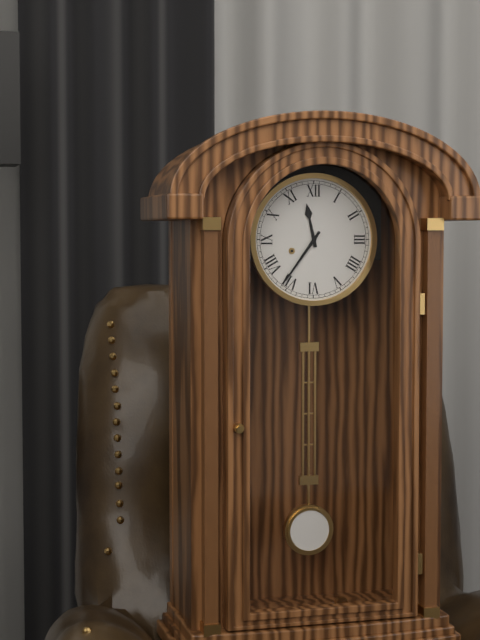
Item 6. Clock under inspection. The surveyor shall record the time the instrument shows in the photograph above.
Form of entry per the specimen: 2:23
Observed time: 11:36
